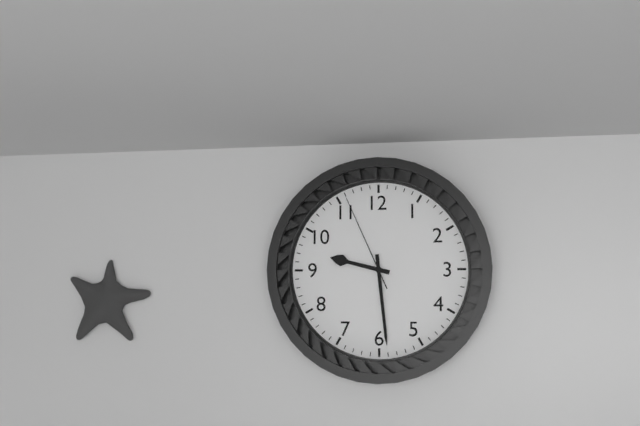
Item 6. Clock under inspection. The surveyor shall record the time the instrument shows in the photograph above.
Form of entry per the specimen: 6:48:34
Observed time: 9:29:56
